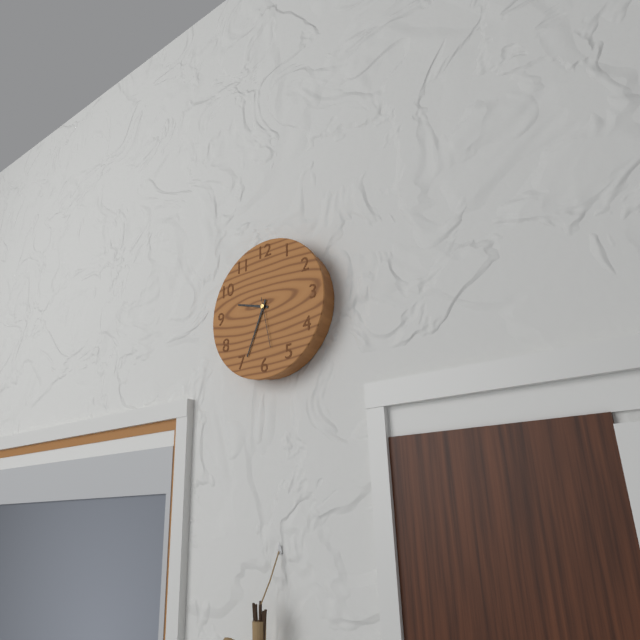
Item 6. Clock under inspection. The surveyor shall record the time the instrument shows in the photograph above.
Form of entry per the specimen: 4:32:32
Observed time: 9:34:28
